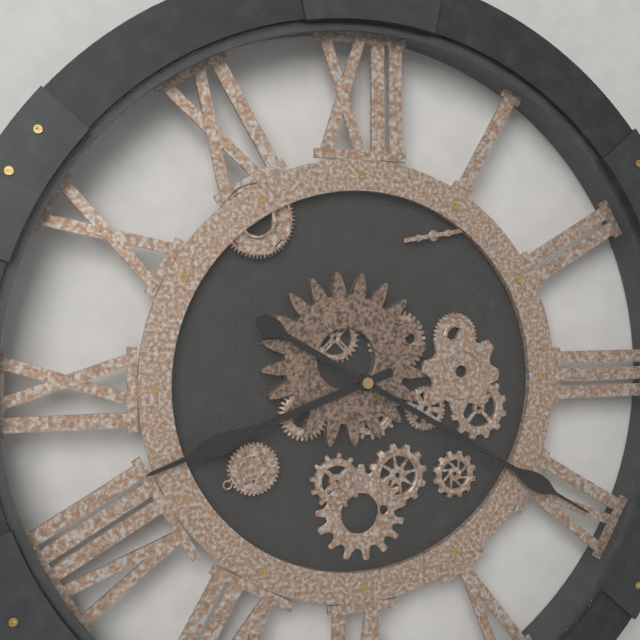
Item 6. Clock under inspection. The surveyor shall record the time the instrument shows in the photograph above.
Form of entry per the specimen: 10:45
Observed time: 8:20
